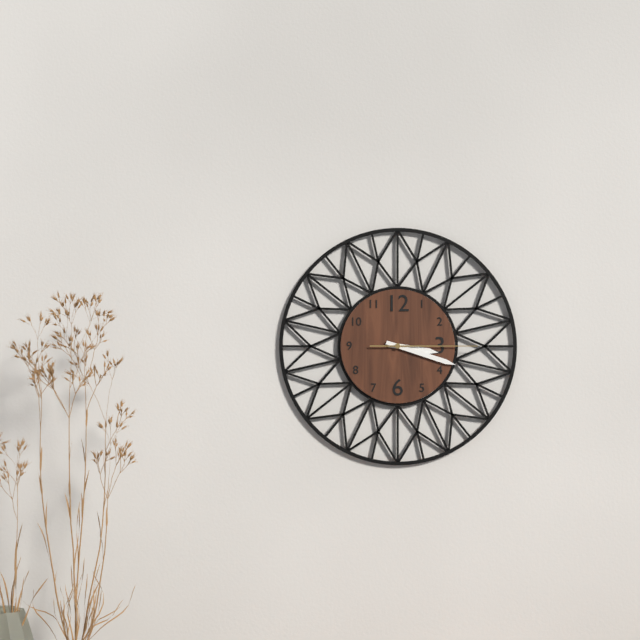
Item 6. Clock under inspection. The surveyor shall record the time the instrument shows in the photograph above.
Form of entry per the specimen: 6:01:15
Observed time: 3:18:15
